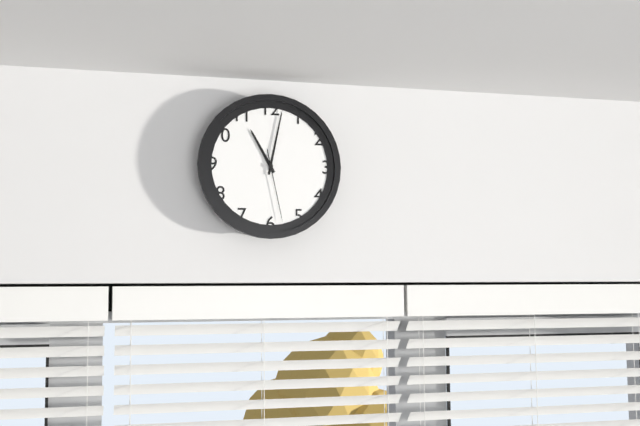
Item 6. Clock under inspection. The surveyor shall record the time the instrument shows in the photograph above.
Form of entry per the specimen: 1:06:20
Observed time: 11:02:28
